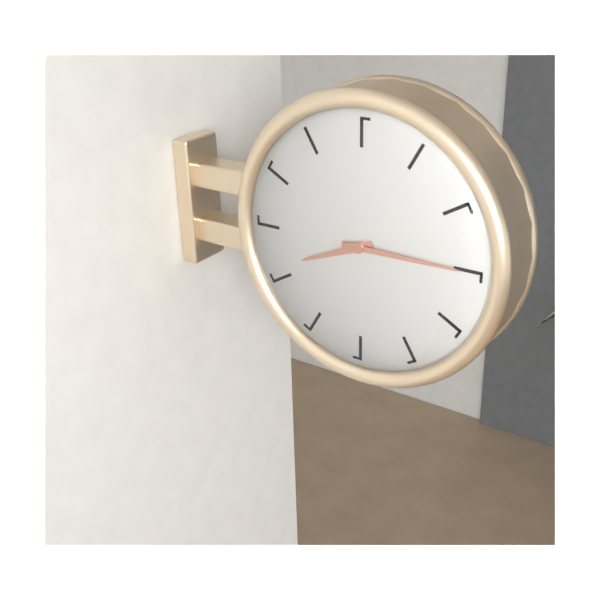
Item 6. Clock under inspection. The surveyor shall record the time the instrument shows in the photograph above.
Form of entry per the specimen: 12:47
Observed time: 8:15
